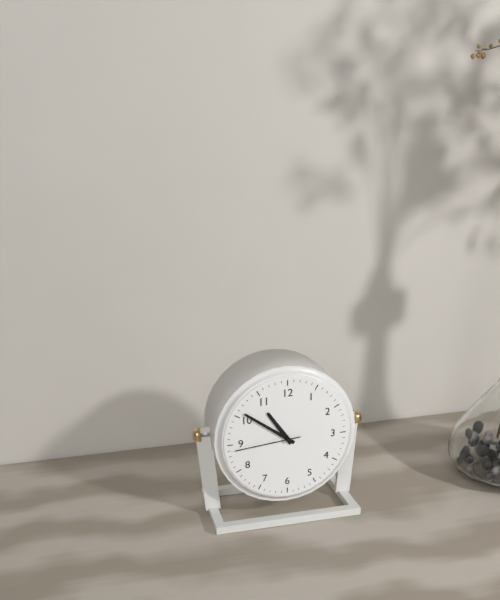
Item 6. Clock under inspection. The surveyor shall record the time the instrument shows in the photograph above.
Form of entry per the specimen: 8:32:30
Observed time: 10:51:44
